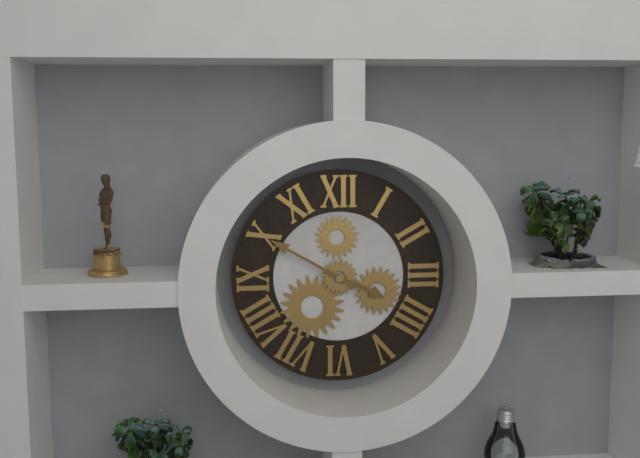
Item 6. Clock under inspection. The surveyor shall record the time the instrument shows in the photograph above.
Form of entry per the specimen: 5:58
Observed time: 3:50
